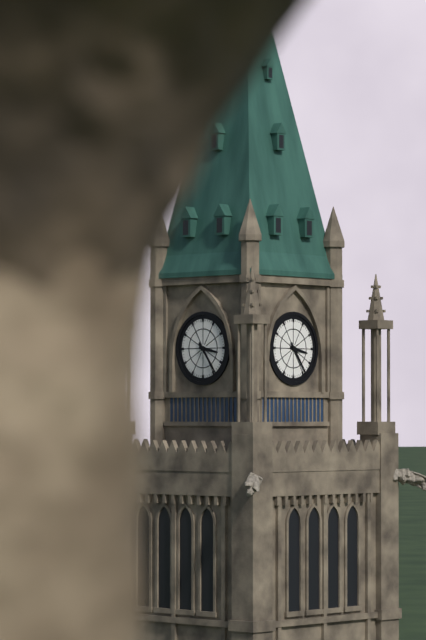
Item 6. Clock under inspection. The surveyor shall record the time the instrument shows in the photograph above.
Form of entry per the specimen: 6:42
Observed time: 3:24
